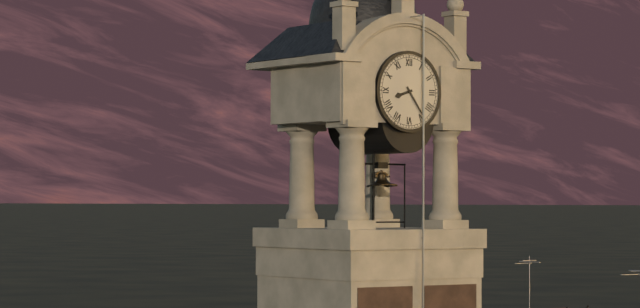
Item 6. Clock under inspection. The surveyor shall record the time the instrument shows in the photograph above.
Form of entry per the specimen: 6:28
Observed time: 8:24
